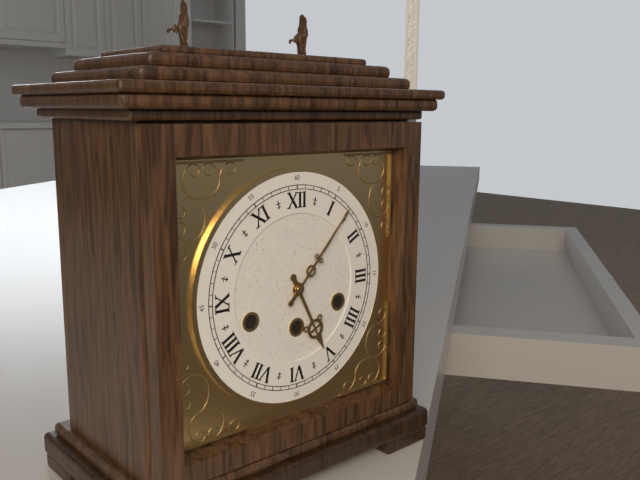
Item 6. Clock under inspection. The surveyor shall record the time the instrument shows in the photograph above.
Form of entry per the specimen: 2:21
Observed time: 5:07
